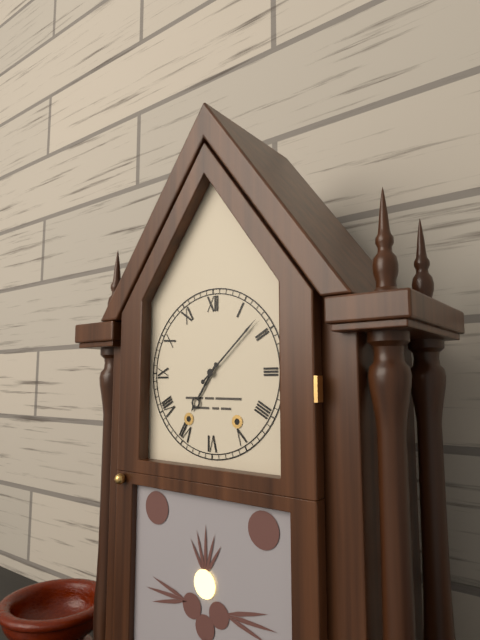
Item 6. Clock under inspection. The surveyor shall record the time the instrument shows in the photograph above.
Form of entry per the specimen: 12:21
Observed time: 7:08
